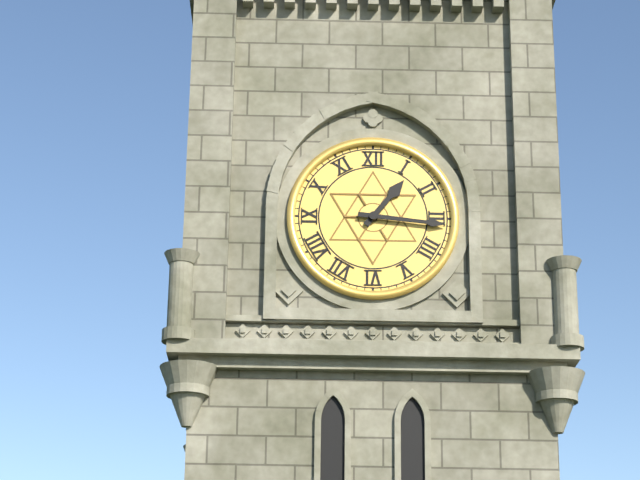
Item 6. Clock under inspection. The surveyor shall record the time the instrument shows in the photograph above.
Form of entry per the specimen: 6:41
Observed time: 1:16
